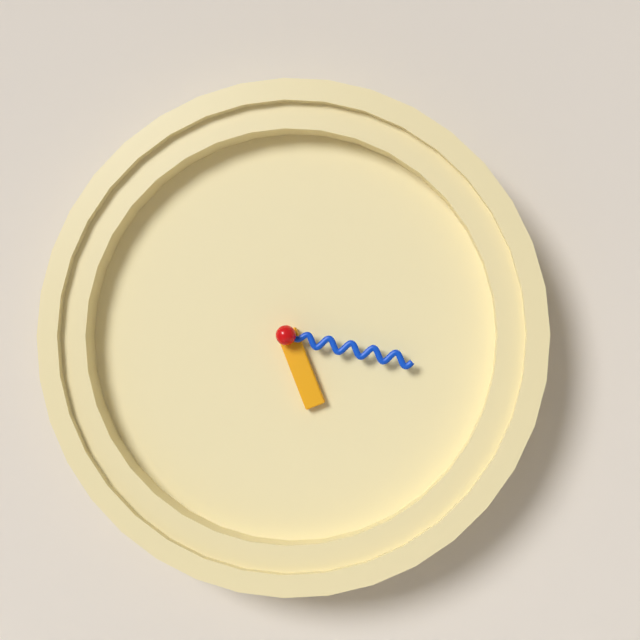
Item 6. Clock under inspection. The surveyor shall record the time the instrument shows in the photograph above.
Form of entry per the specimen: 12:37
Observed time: 5:17
